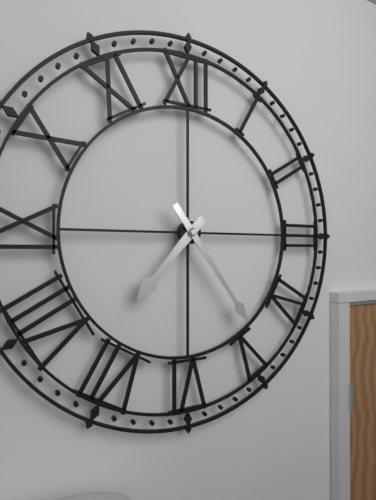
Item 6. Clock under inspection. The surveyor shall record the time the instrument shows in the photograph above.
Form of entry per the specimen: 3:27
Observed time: 7:24
